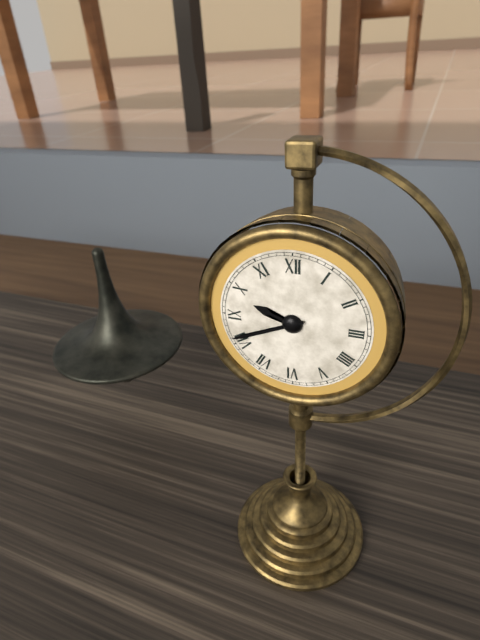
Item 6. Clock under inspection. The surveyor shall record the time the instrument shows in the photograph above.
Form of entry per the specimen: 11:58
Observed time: 9:41
